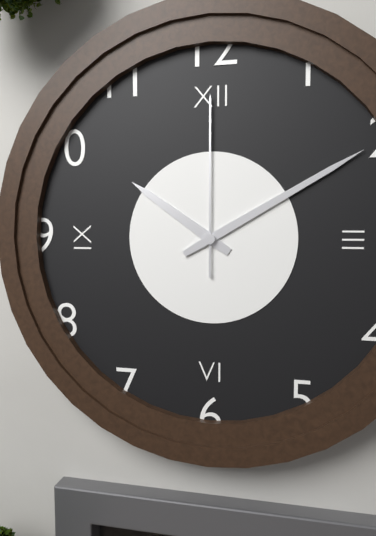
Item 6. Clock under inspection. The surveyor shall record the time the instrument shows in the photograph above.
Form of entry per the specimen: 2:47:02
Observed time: 10:10:00
